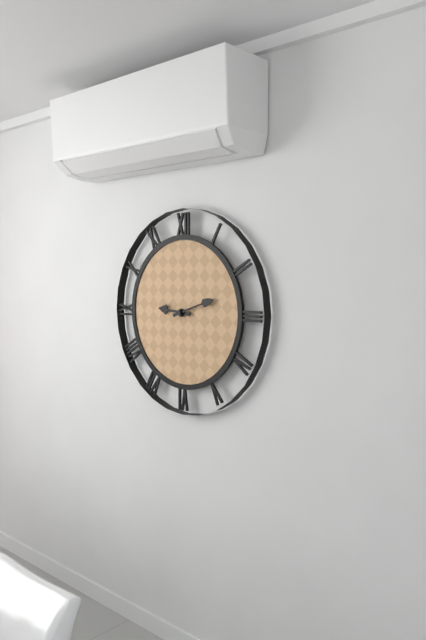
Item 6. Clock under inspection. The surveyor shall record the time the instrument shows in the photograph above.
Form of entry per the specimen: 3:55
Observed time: 9:12
